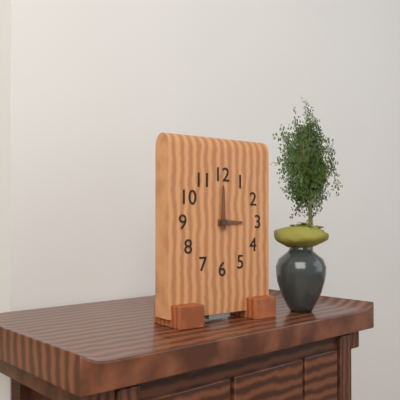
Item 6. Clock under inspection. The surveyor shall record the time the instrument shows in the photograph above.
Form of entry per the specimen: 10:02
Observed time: 3:00
